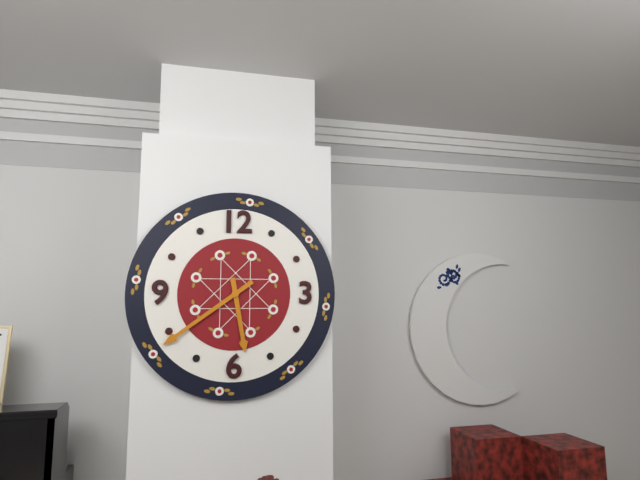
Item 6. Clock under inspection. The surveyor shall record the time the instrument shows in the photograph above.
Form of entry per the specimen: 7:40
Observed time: 5:39
